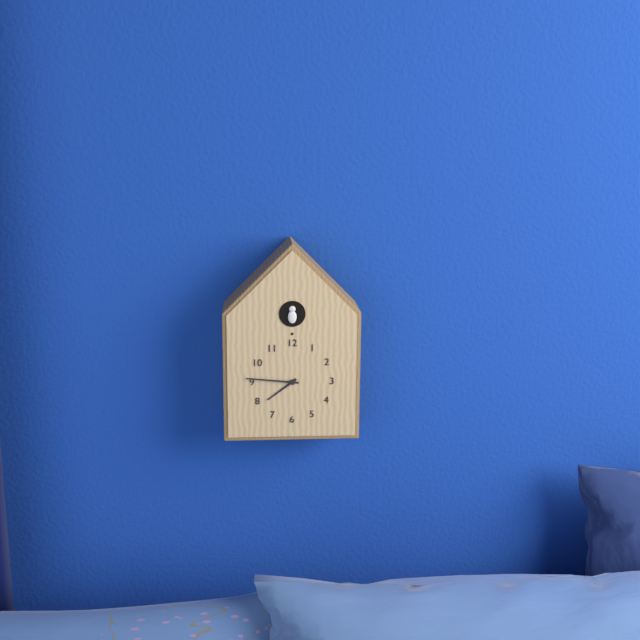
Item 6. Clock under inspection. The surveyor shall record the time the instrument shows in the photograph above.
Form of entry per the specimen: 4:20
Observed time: 7:46
